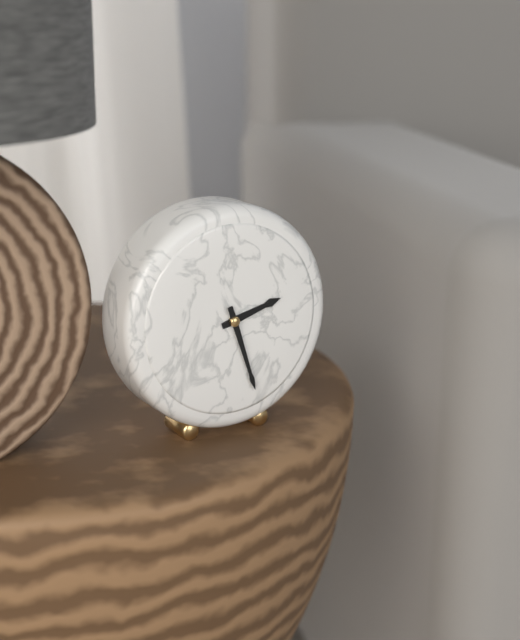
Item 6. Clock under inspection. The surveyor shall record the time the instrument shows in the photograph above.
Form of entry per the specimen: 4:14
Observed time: 2:27
